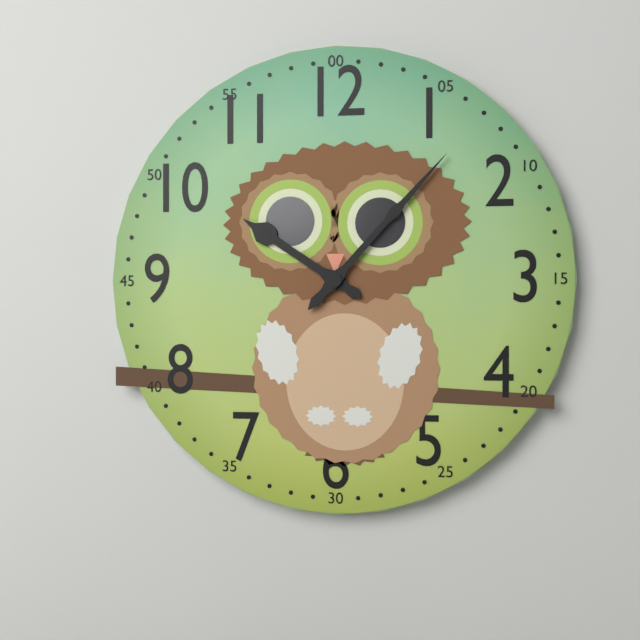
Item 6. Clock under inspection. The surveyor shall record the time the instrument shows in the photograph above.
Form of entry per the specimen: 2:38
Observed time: 10:07
